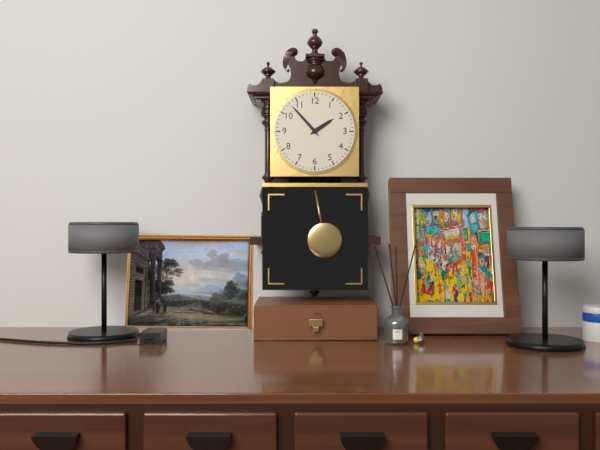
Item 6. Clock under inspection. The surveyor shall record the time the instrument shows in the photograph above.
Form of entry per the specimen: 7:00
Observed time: 1:53
